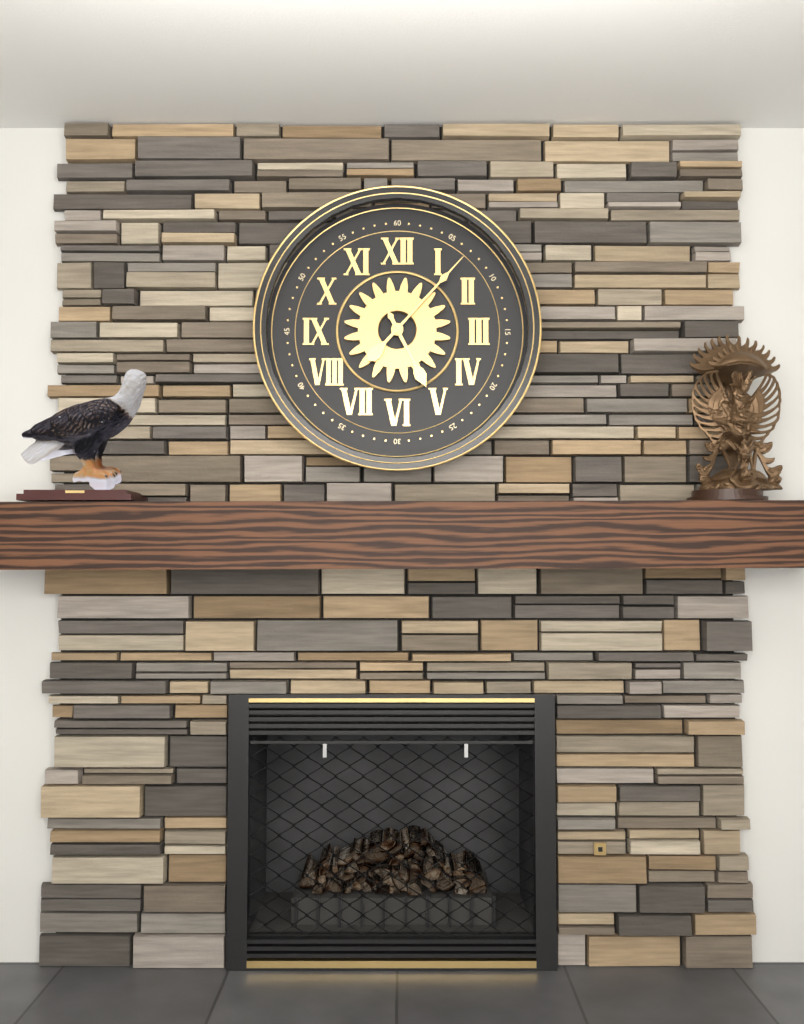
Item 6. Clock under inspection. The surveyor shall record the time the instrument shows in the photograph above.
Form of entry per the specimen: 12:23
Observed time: 5:07
